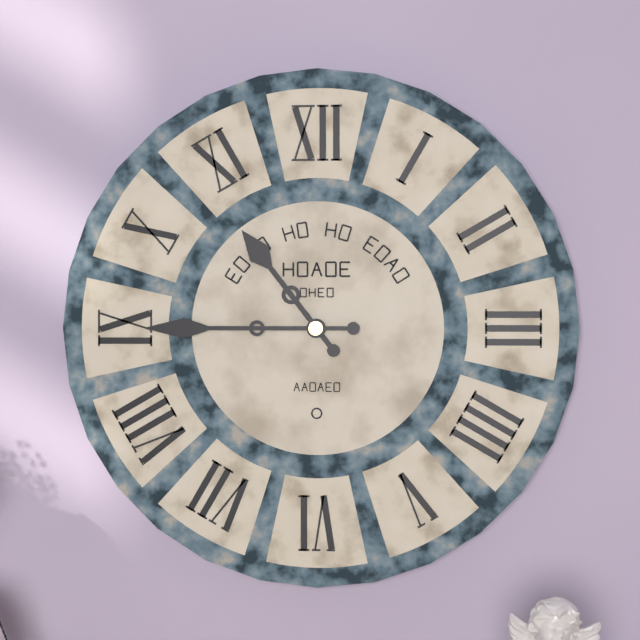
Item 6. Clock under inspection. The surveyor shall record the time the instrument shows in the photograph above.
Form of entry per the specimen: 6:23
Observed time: 10:45
